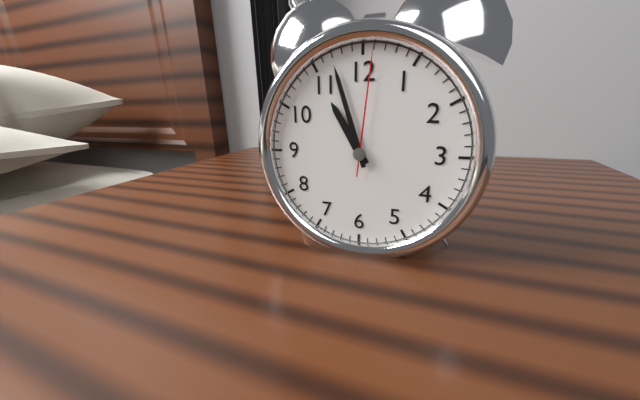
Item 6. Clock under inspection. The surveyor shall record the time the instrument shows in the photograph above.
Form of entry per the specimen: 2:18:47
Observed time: 10:57:01
